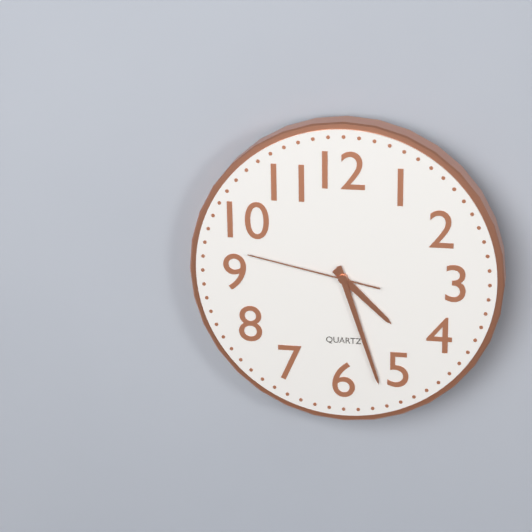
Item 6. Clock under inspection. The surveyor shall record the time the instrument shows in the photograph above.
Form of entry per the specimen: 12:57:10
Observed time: 4:27:47
